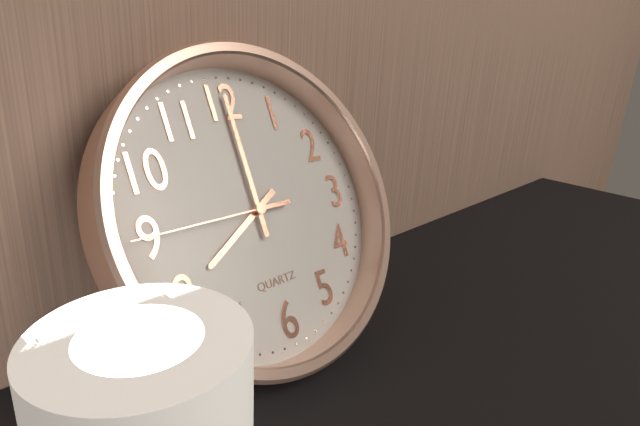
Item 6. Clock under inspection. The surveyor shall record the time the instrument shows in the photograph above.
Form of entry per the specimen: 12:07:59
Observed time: 8:00:45
